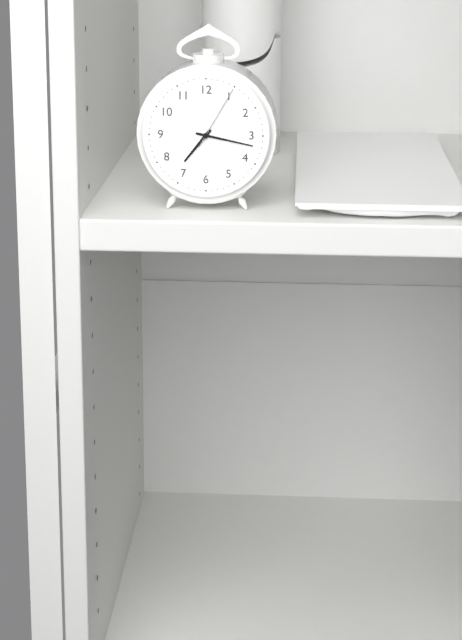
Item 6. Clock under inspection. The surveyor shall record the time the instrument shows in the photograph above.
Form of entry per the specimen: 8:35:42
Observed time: 7:17:05
